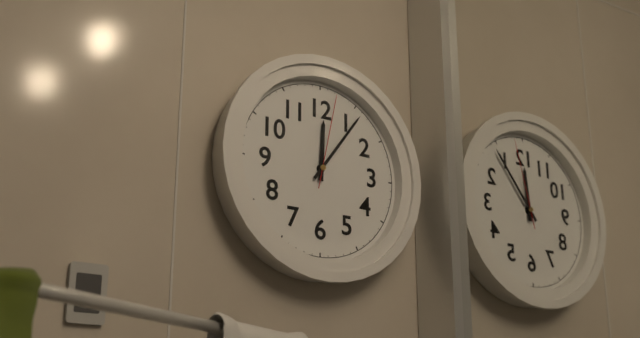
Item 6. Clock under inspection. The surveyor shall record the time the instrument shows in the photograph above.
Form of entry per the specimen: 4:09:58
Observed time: 12:06:02
